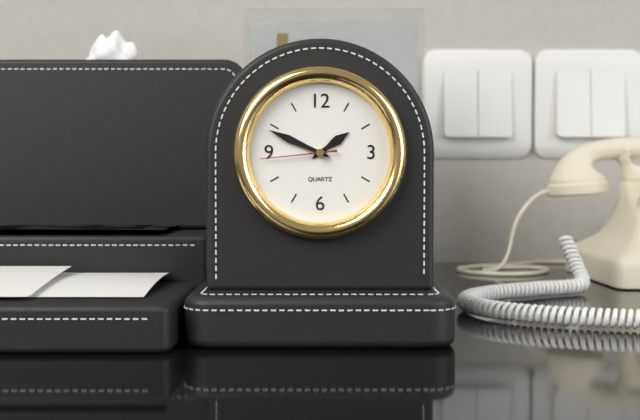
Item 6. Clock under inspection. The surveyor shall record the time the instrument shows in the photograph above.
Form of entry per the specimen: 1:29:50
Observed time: 1:49:44
